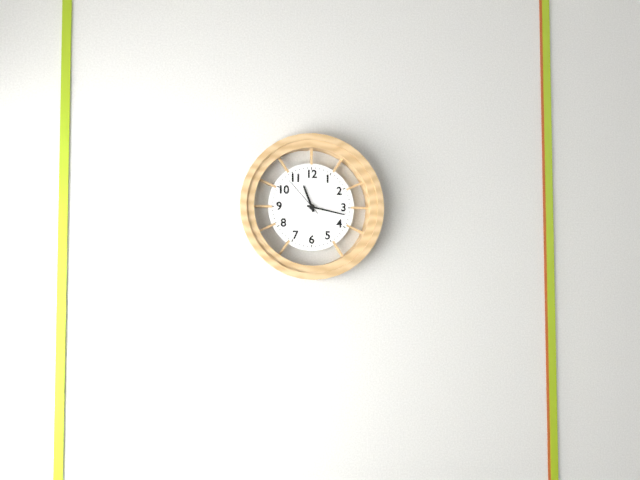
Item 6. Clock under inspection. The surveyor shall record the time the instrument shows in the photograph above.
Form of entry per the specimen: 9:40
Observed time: 11:17
